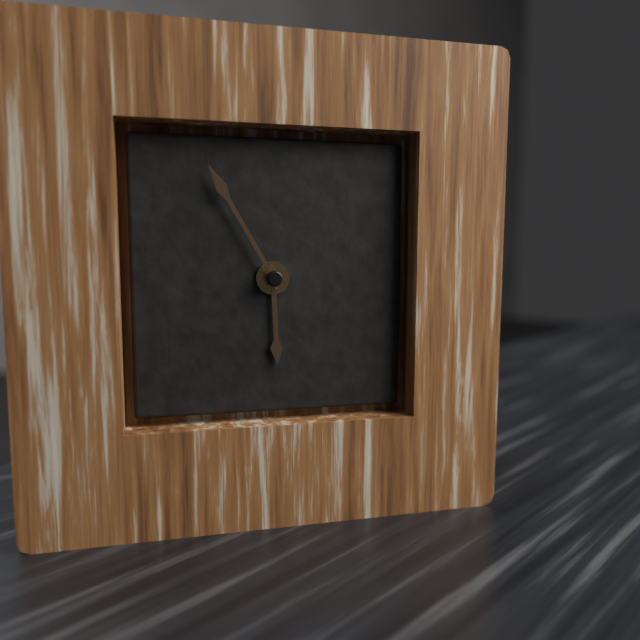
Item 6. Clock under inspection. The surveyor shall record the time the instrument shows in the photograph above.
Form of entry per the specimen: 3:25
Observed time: 5:55
